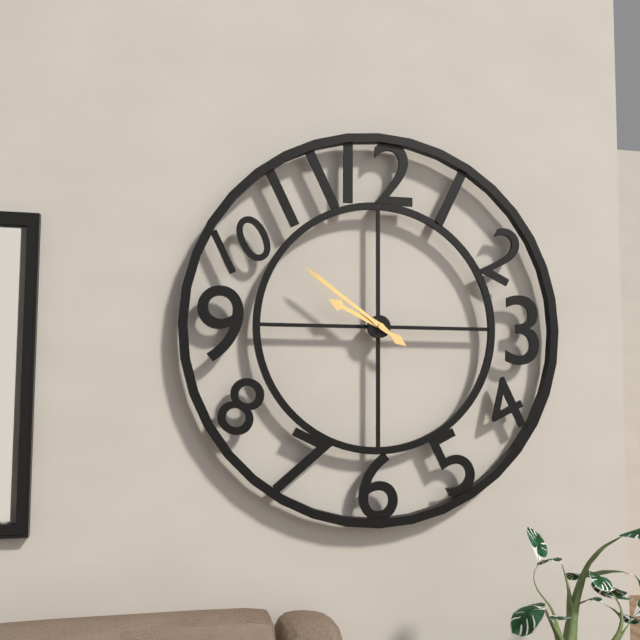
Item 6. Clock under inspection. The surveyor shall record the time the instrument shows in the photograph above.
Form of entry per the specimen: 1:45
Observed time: 9:51
